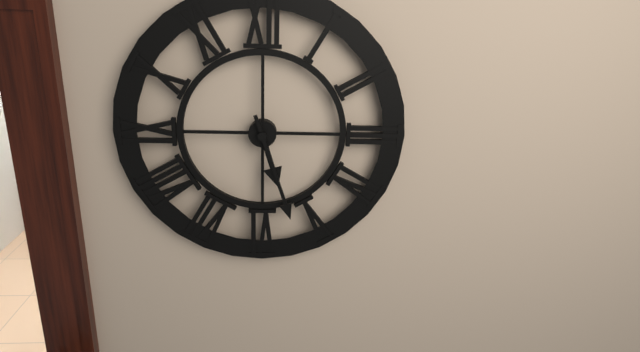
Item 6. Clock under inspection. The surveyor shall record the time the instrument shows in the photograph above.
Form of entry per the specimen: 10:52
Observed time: 5:27
